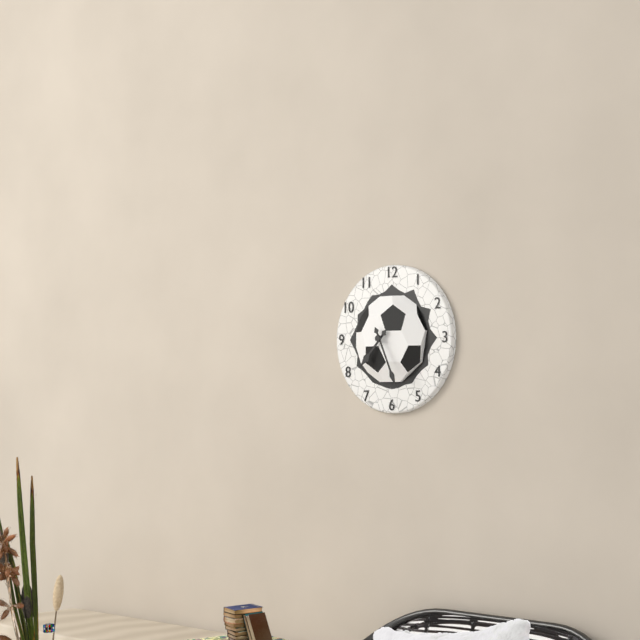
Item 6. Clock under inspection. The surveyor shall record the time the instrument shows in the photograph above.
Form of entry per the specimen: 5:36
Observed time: 7:26
